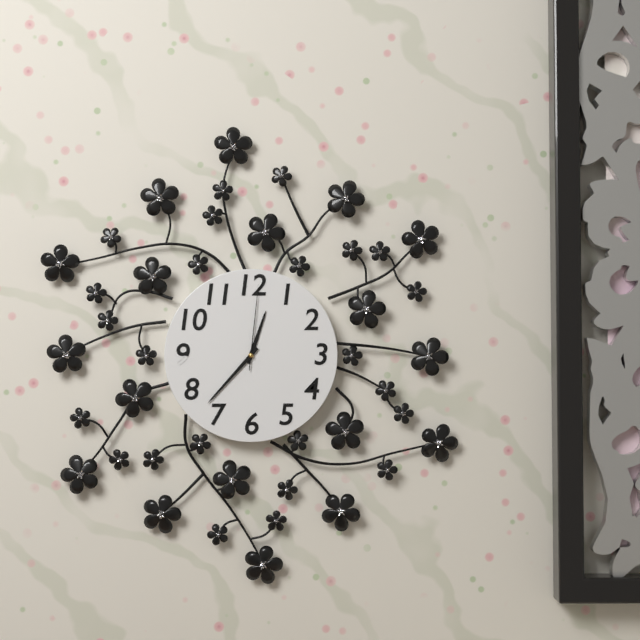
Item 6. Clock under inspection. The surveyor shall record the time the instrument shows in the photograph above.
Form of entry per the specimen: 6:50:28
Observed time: 12:37:01
